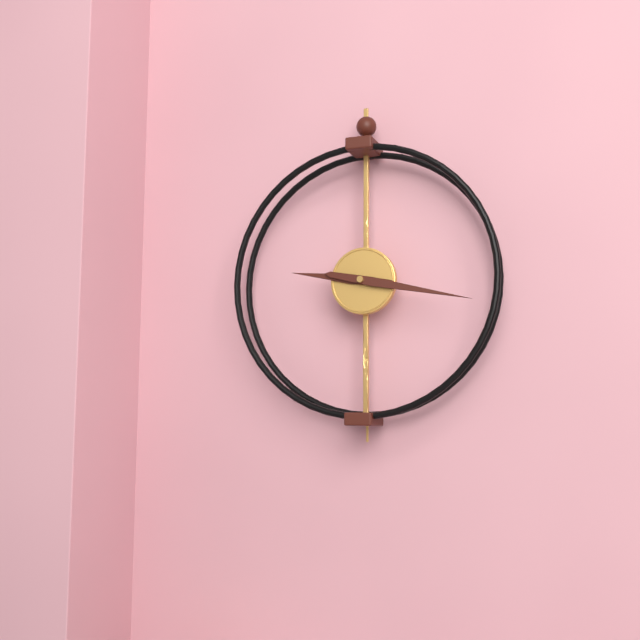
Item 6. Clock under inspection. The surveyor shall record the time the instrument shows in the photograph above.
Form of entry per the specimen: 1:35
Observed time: 9:17
